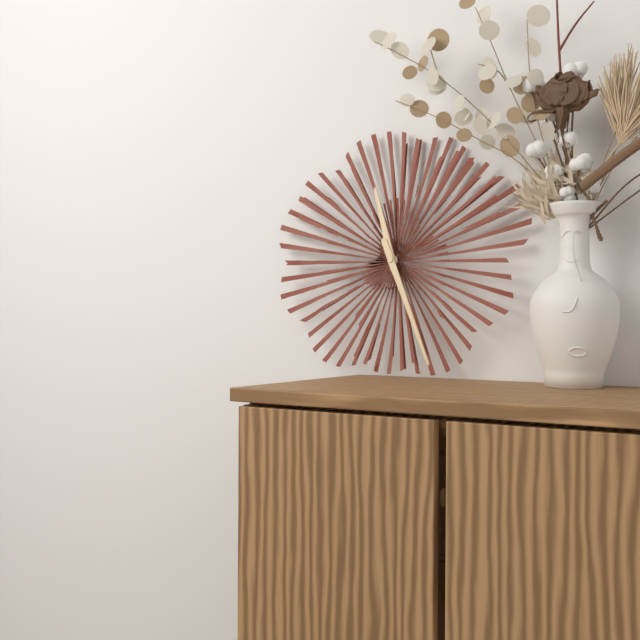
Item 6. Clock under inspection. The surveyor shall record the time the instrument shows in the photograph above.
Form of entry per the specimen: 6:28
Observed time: 11:26
